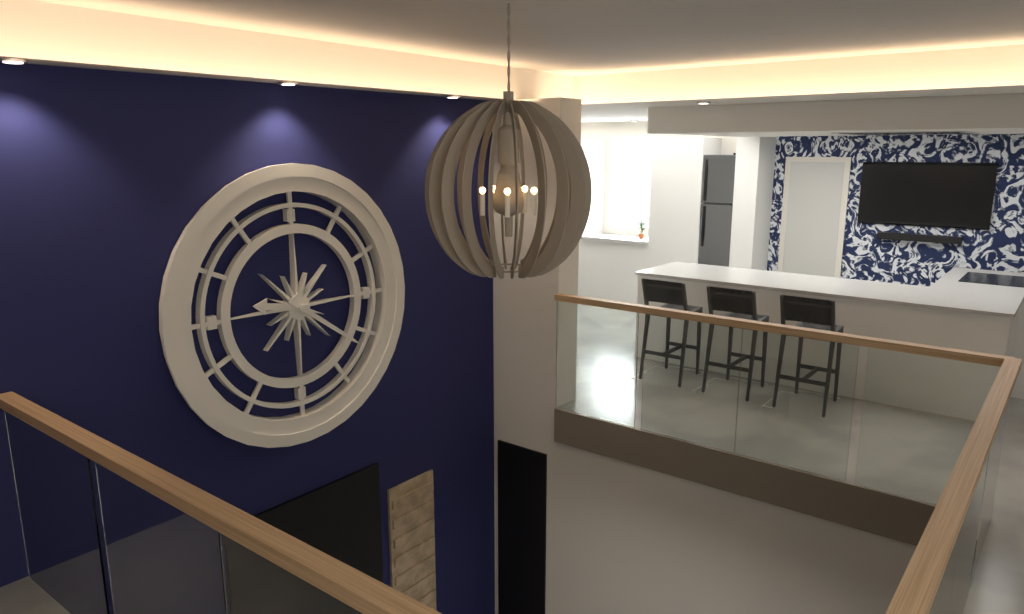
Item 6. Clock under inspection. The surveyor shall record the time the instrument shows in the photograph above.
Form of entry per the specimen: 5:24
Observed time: 9:21
